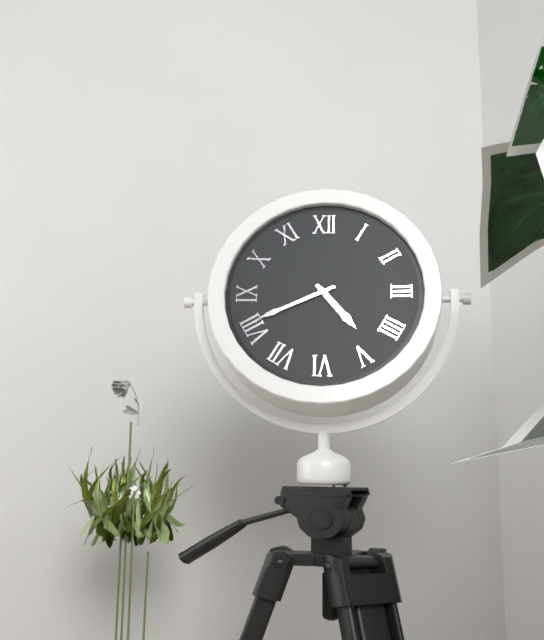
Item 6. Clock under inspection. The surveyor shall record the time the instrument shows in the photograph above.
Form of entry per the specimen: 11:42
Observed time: 4:41
